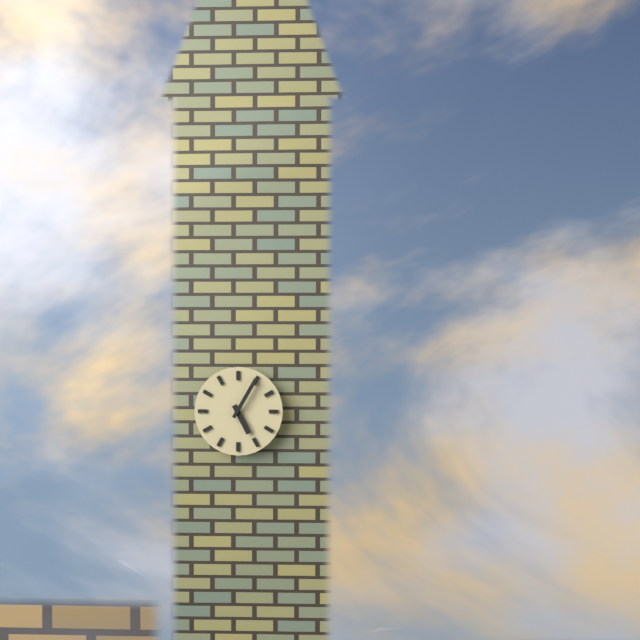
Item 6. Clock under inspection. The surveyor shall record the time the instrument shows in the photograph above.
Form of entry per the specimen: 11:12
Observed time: 5:05
